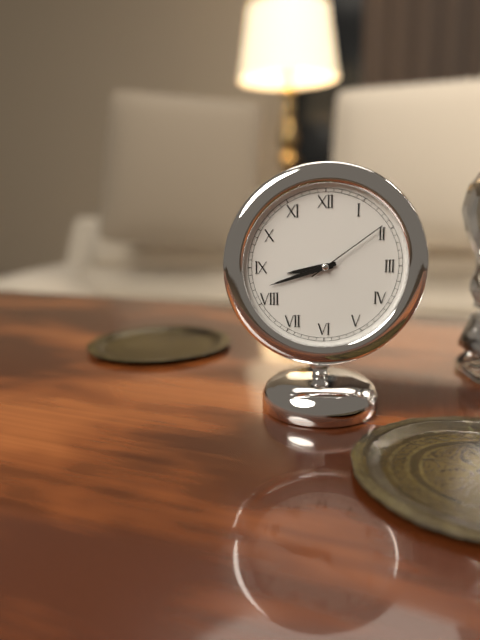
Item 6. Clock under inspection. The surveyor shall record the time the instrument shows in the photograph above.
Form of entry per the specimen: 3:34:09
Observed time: 8:42:09
